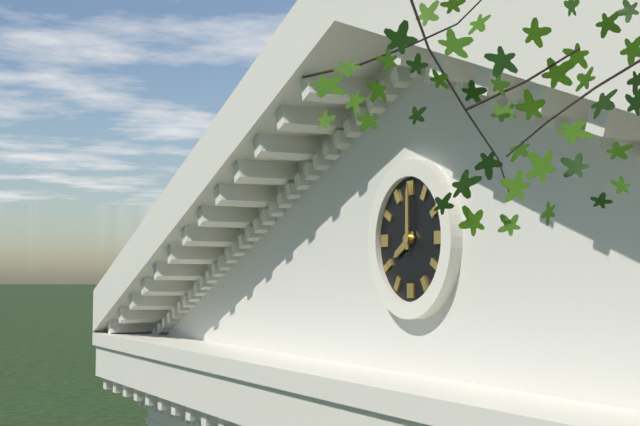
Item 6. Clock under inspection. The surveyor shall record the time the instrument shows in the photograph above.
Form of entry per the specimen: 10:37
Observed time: 8:00
